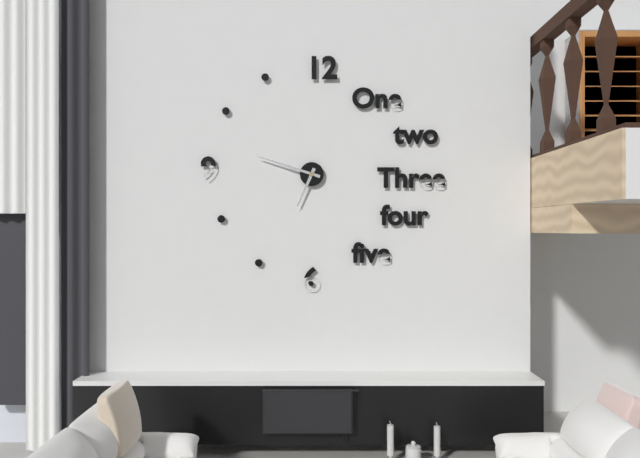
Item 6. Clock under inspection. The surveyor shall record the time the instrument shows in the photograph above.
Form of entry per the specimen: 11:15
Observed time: 6:48
